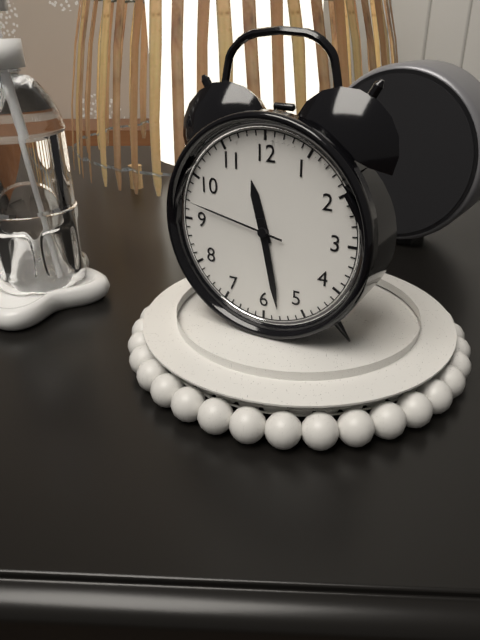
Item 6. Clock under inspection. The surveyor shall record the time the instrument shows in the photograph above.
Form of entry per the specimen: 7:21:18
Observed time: 11:28:47
